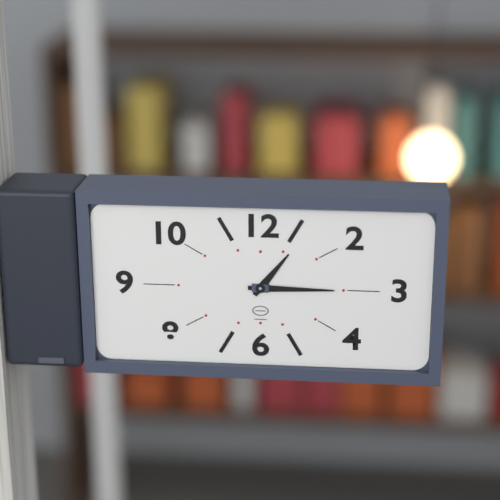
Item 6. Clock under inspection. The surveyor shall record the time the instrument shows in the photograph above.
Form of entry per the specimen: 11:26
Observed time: 1:15
